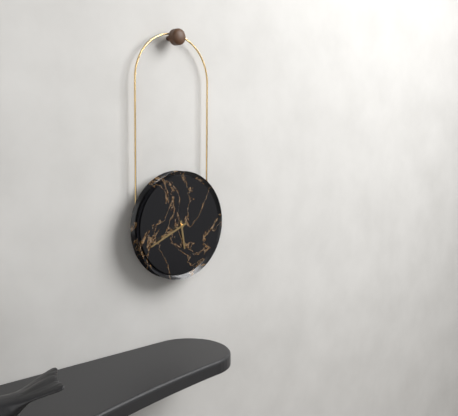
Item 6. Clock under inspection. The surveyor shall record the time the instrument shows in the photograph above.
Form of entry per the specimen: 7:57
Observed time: 5:41
